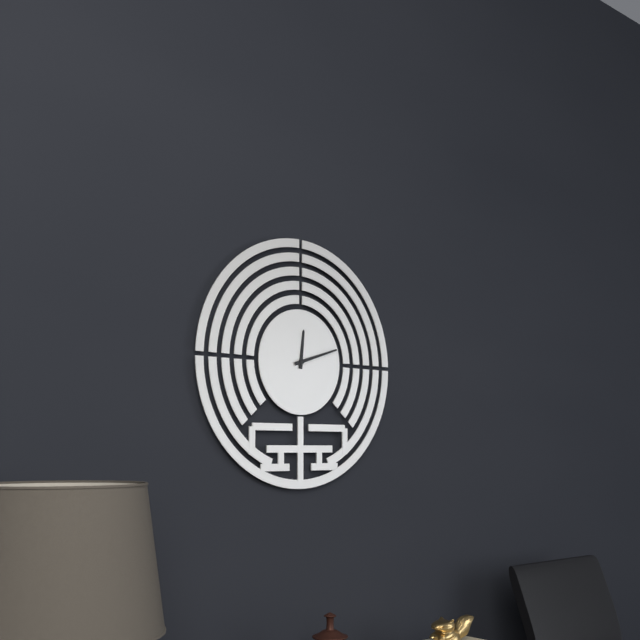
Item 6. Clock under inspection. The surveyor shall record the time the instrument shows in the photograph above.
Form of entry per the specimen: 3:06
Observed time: 12:12
